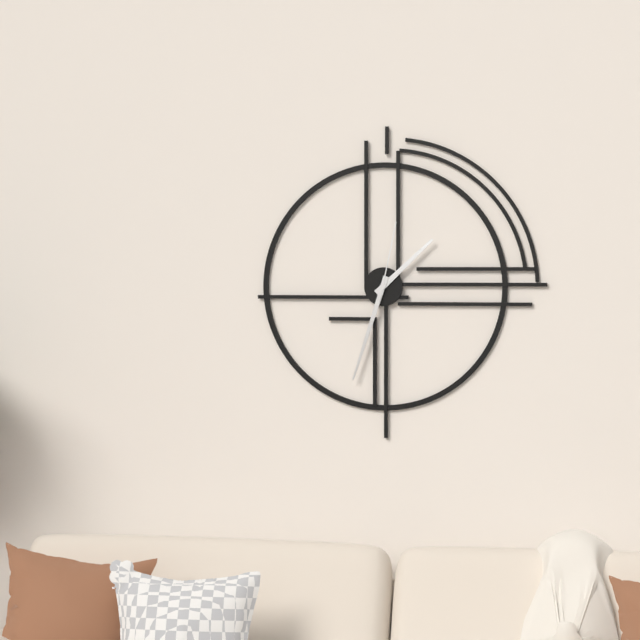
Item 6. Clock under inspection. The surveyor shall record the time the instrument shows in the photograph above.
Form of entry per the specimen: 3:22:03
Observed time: 1:33:02
